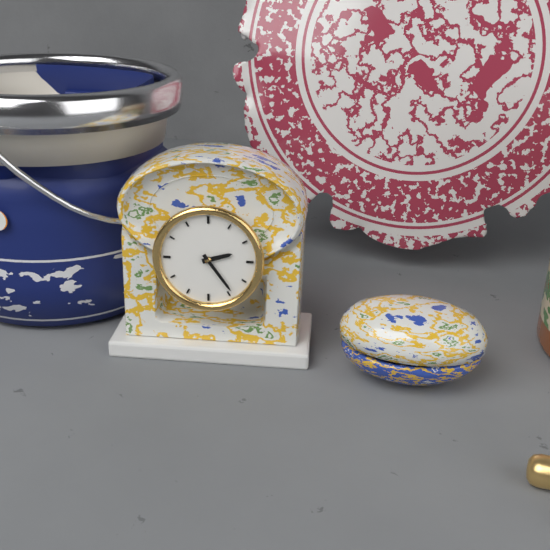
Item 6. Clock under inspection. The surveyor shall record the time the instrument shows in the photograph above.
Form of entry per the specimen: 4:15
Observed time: 2:24
